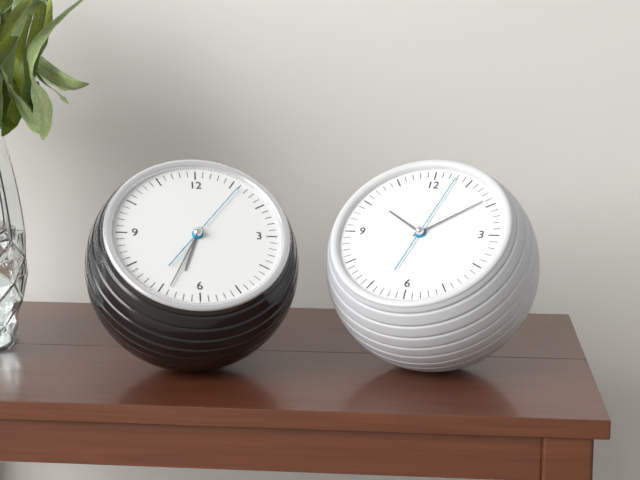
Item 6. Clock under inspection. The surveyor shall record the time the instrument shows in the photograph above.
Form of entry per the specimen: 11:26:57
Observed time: 6:34:06
